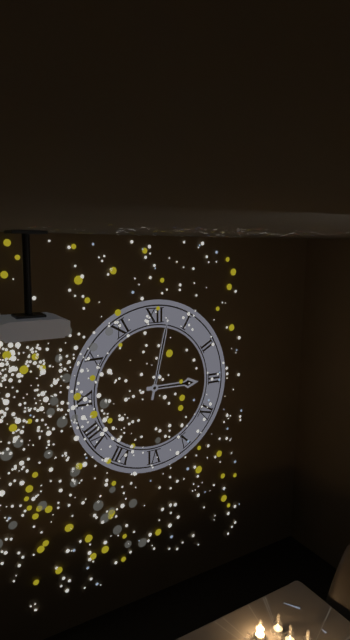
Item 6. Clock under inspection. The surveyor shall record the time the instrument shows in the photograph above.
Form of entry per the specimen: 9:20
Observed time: 3:02
